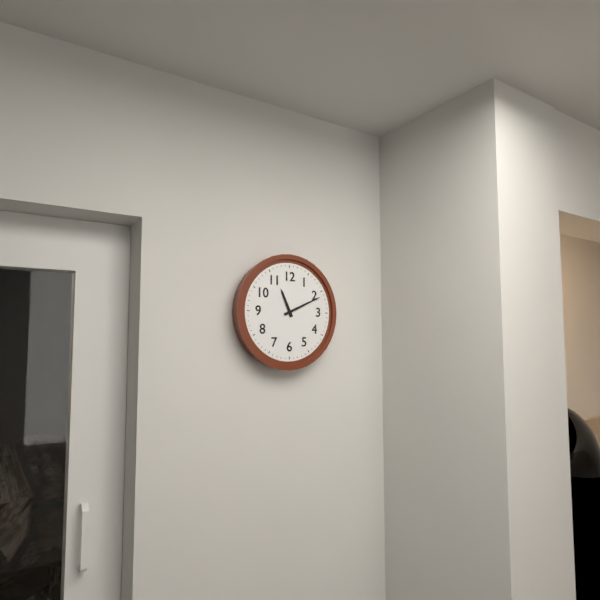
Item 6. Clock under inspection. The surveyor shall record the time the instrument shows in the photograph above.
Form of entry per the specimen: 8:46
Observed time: 11:11
